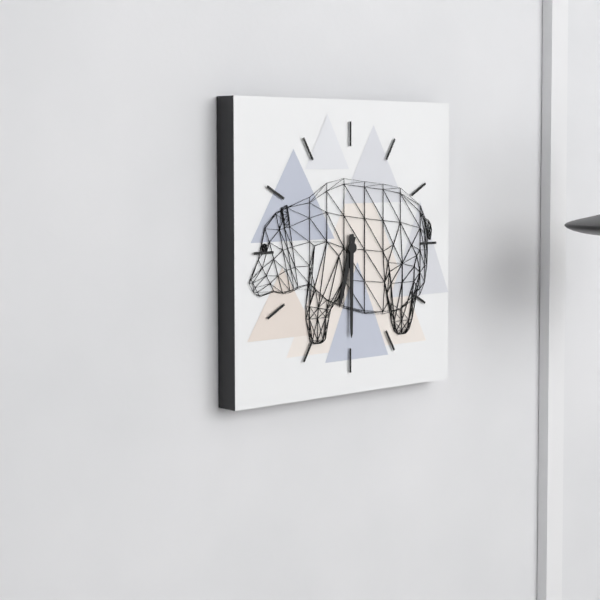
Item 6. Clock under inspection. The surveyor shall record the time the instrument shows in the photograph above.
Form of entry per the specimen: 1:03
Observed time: 6:30
